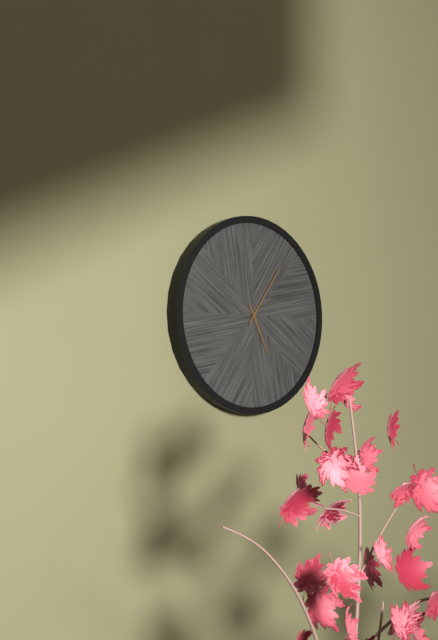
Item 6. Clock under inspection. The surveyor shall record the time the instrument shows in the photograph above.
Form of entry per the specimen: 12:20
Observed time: 5:06
